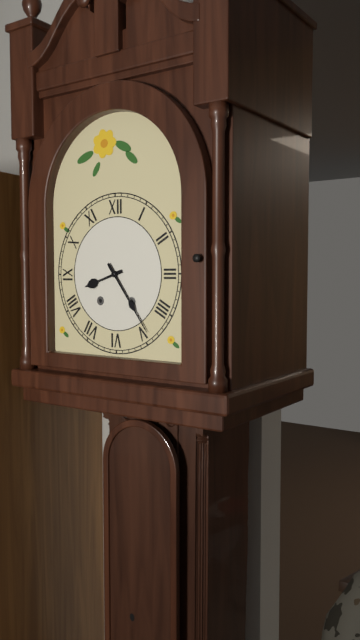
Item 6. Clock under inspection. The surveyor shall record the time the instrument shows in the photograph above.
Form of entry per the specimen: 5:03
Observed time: 8:24
